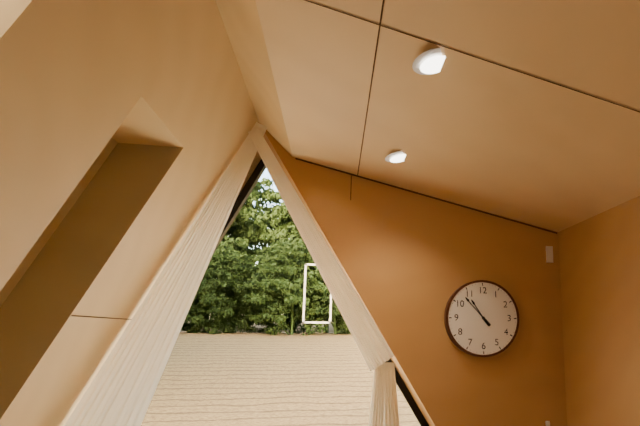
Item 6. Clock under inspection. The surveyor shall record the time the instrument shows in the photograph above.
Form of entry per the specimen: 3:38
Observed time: 10:53
